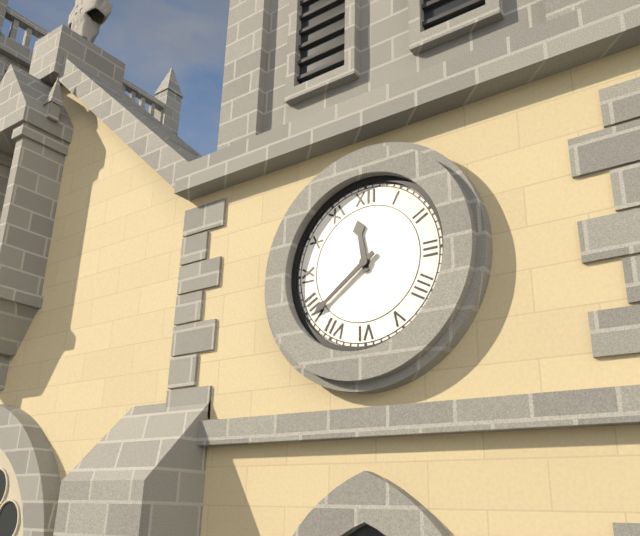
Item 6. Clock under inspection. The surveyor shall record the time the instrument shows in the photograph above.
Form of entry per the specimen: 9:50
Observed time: 11:39
